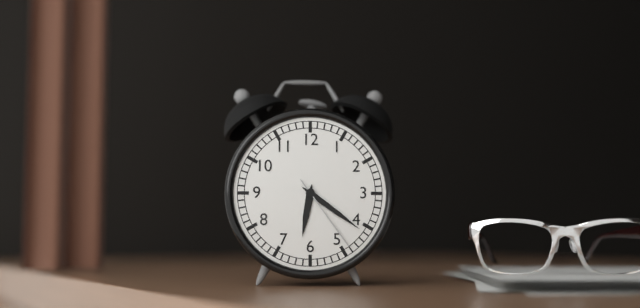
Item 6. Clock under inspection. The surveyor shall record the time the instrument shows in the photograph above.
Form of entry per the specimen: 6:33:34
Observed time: 6:21:24
